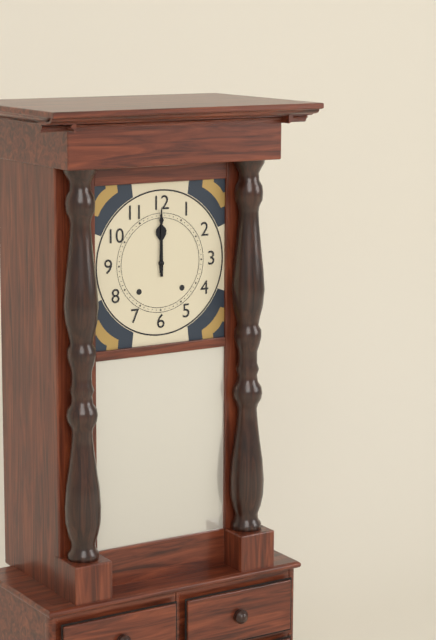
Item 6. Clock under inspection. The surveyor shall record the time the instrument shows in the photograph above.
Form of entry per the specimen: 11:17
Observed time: 12:00
